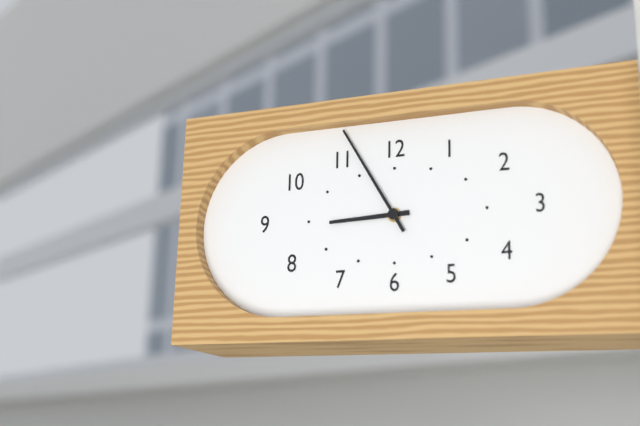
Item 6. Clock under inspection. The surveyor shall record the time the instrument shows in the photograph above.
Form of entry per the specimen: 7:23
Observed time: 8:55
